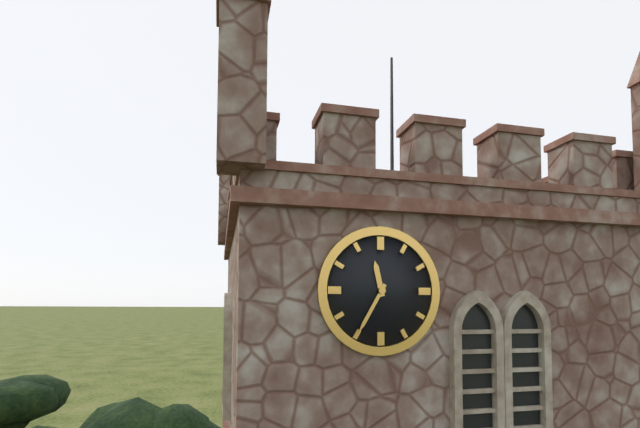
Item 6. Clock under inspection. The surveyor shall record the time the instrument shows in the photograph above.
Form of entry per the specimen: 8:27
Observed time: 11:35
